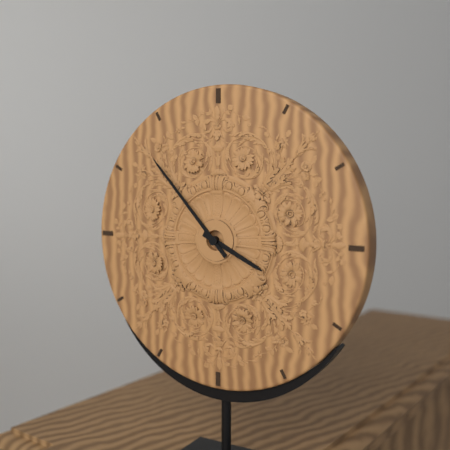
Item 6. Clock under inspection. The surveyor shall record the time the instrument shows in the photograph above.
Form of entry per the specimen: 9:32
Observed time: 3:53
